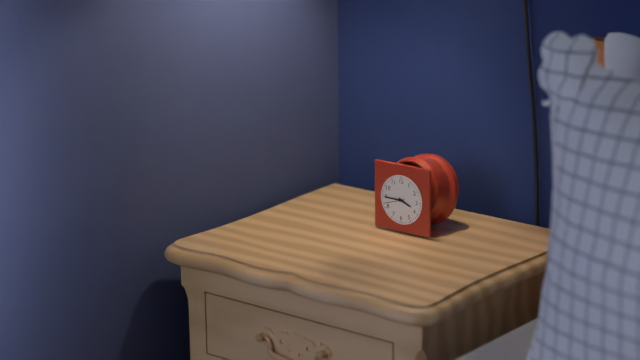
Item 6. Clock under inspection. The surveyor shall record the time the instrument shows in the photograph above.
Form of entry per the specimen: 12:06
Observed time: 3:45
